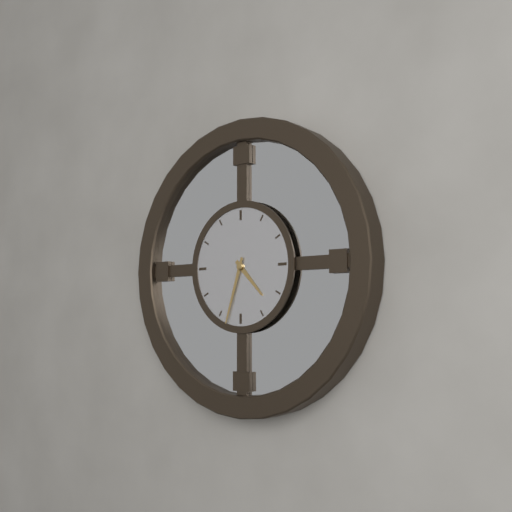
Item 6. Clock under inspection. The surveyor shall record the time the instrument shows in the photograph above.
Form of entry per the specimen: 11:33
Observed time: 4:33
